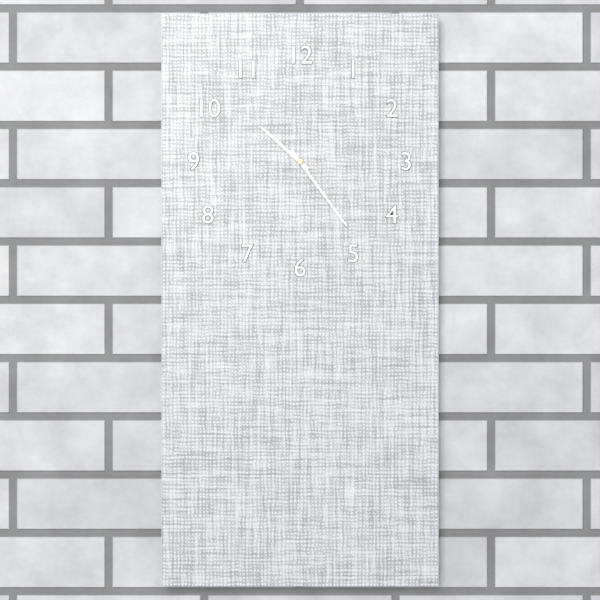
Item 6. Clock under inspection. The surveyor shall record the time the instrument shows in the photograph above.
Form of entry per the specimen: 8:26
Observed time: 10:24
